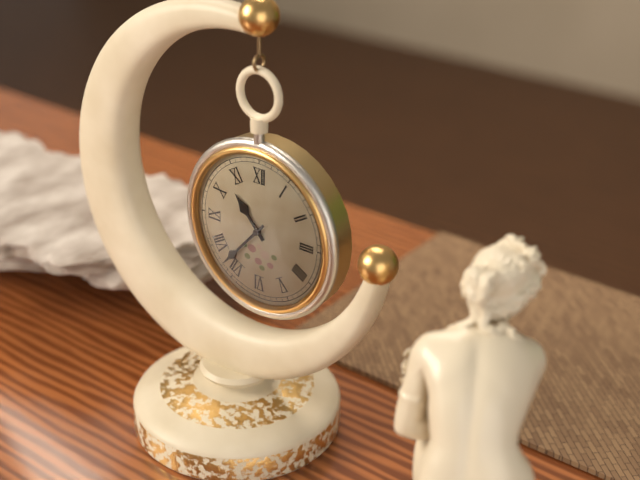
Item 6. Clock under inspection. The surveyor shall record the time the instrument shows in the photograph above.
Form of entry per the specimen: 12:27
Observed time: 10:37
